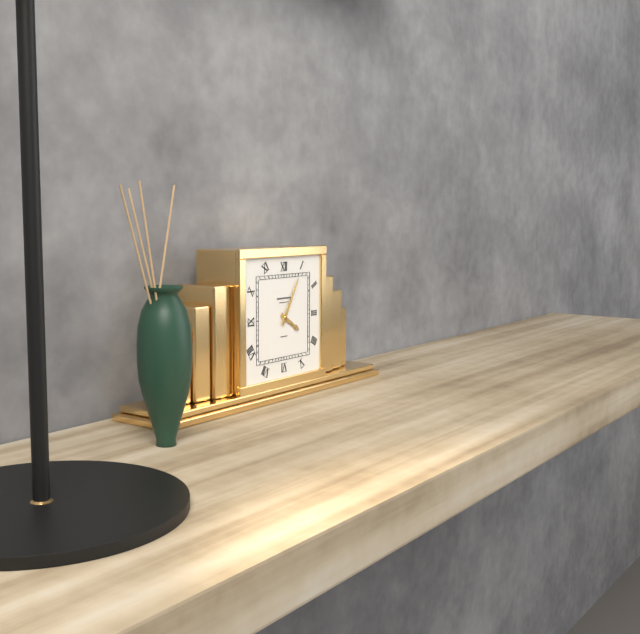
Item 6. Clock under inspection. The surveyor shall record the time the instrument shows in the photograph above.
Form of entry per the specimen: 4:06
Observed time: 4:05
